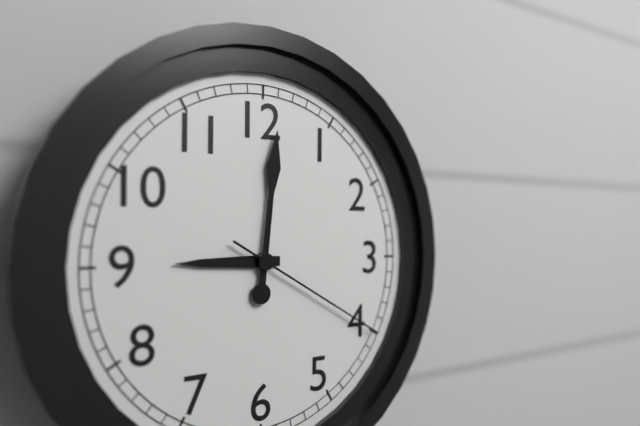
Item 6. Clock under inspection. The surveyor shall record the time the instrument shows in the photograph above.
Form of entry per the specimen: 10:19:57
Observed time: 9:01:20
